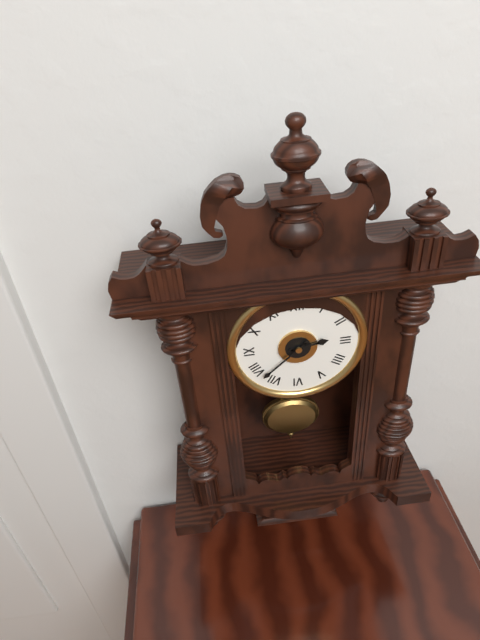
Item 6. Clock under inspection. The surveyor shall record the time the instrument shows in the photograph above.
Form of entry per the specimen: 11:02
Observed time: 2:38
